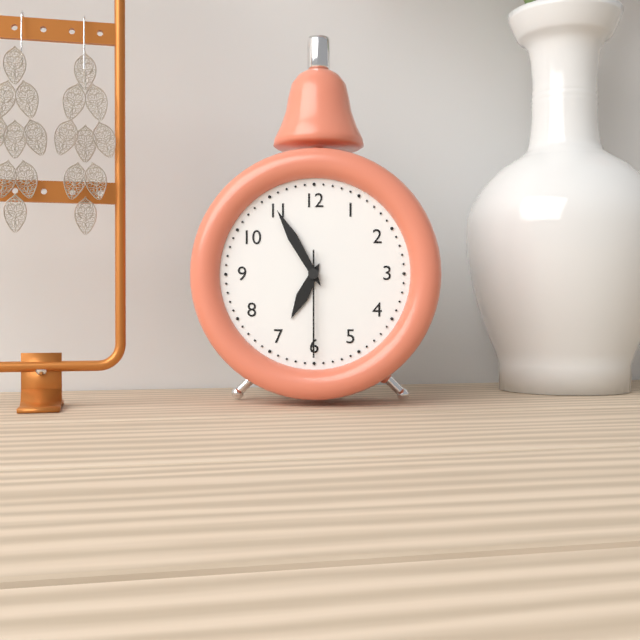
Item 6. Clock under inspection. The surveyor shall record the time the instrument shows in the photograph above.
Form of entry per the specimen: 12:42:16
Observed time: 6:55:30
